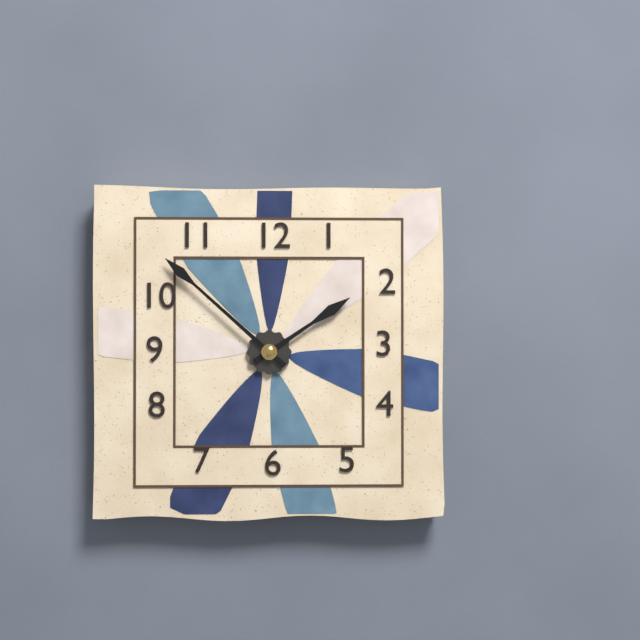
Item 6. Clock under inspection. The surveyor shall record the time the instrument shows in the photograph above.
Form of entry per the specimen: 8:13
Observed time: 1:52
